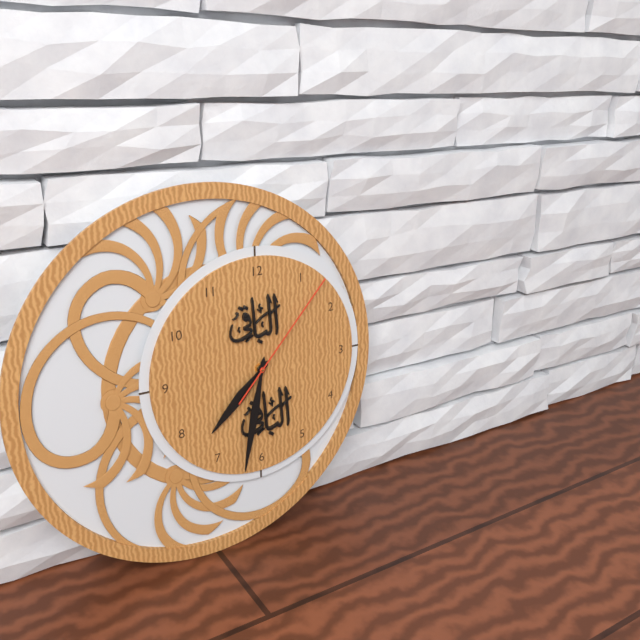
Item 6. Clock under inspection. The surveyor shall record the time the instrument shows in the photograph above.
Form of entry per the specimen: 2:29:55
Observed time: 7:32:07
